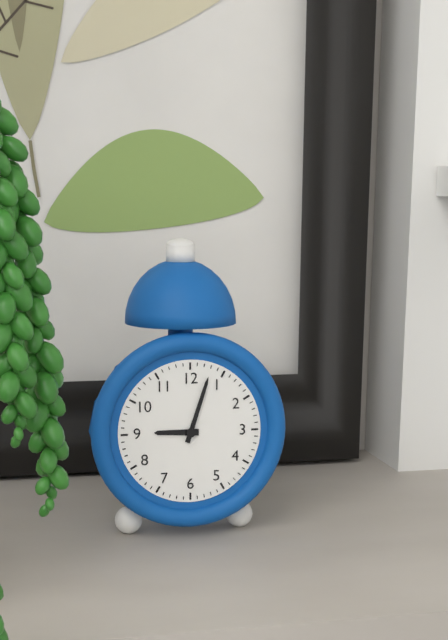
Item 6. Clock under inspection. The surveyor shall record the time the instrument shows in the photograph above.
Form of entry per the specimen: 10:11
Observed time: 9:03
